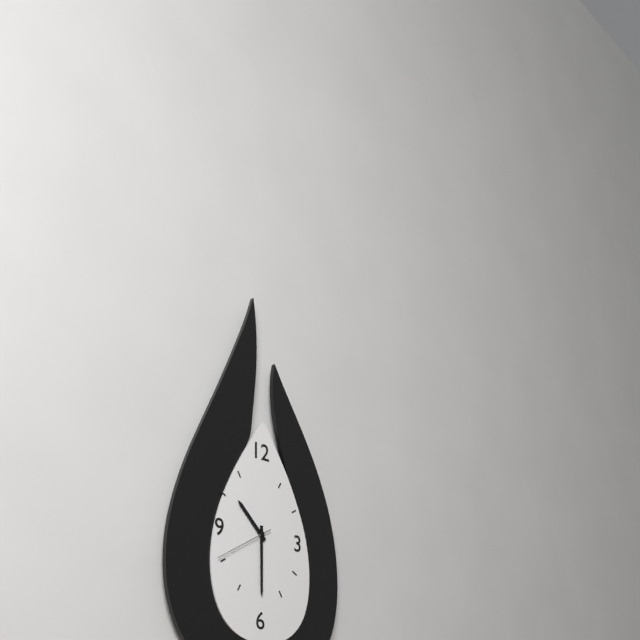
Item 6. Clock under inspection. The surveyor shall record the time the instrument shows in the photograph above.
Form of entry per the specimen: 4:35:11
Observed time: 10:30:40
